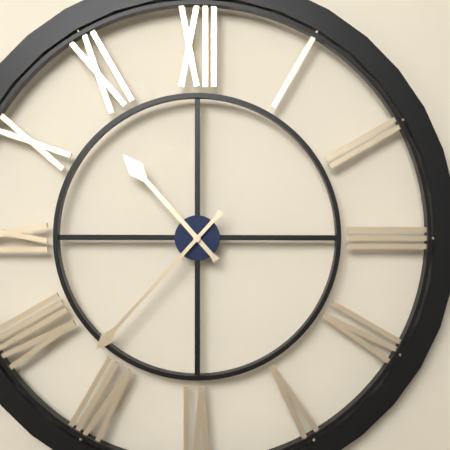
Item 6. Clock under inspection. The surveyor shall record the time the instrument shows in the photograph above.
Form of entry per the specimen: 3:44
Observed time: 10:37
